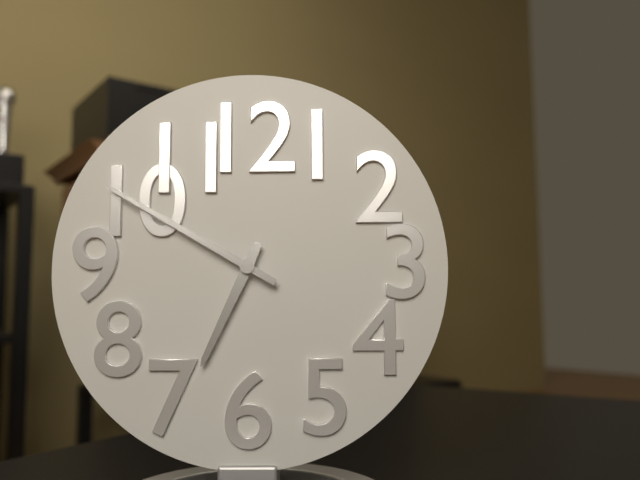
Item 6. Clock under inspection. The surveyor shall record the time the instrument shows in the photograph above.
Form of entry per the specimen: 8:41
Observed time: 6:50
